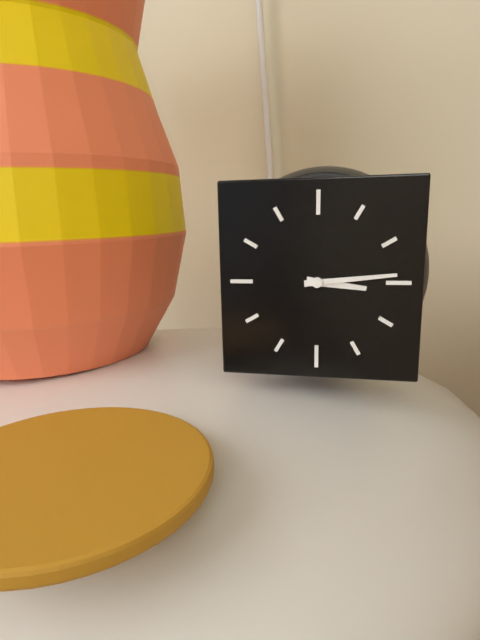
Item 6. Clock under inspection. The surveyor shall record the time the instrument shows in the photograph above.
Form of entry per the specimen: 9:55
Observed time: 3:14
